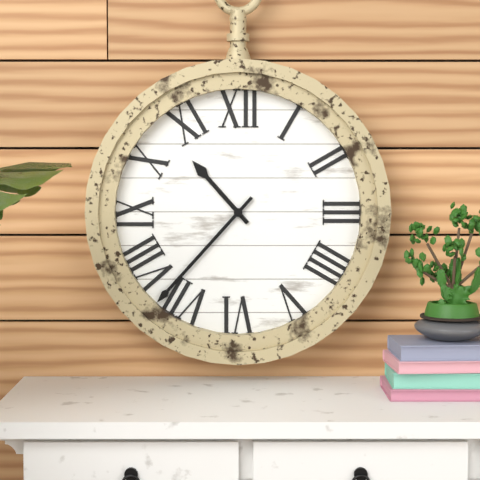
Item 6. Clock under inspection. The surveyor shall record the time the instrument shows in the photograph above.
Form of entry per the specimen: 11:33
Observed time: 10:37
